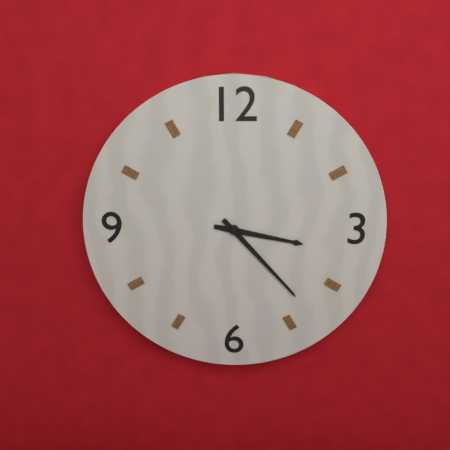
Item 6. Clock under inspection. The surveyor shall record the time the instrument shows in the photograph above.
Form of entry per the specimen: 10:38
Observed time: 3:23
